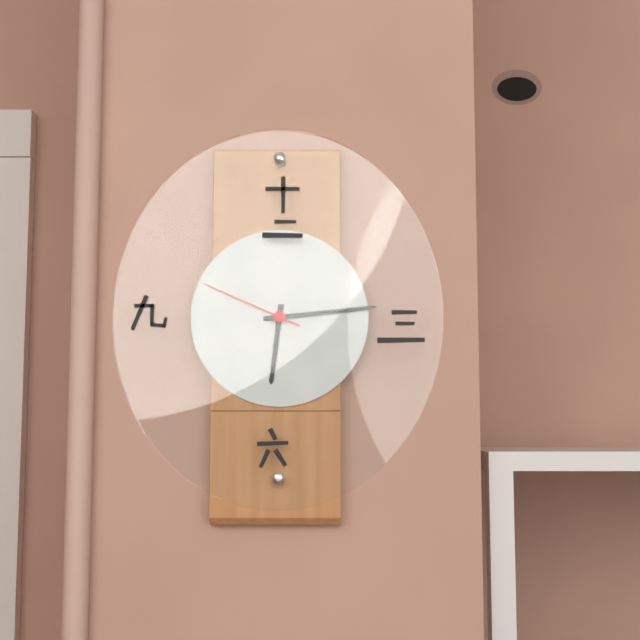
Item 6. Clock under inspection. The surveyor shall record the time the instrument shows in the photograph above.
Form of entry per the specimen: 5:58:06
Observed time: 6:14:49
